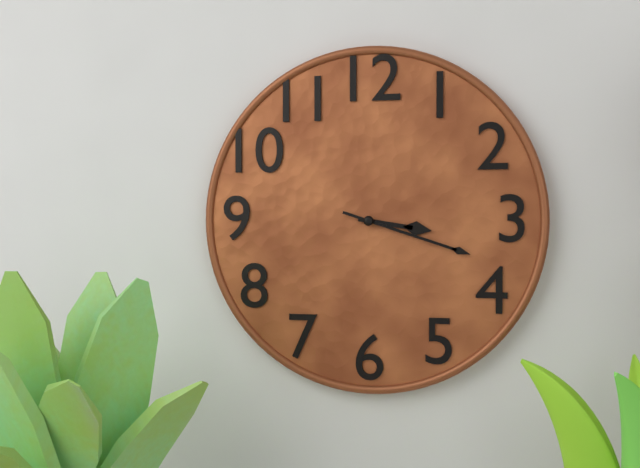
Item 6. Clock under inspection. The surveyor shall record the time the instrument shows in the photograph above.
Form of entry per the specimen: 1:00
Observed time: 3:18
